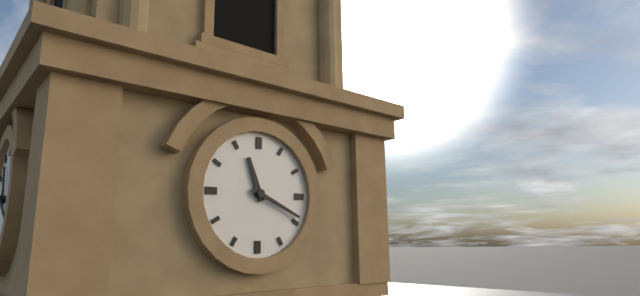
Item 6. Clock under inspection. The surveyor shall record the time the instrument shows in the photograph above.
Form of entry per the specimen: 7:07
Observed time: 11:19
